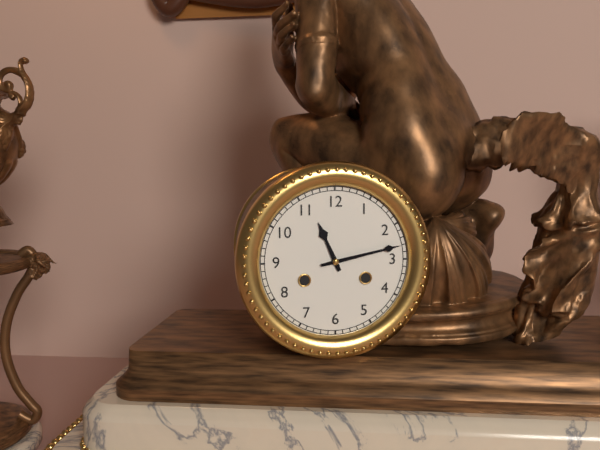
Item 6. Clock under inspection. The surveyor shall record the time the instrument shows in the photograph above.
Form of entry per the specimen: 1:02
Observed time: 11:13
